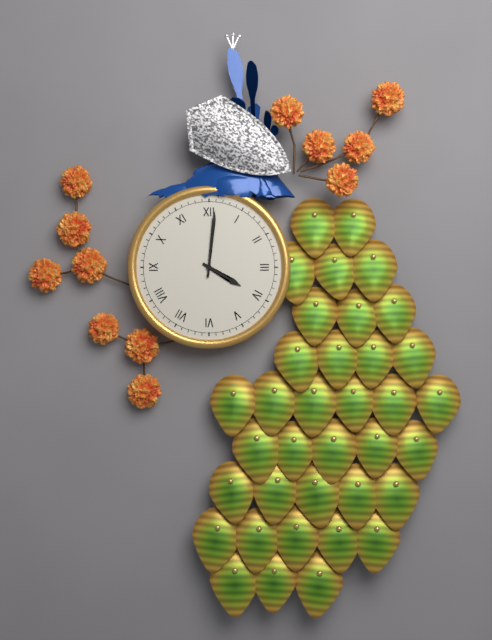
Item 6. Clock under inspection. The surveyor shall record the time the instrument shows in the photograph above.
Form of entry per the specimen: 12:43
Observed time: 4:01
